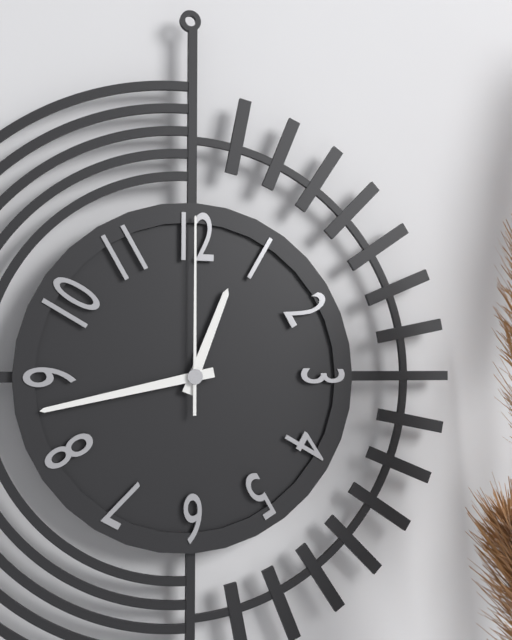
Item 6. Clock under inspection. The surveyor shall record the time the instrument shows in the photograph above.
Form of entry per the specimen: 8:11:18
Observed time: 12:43:00
